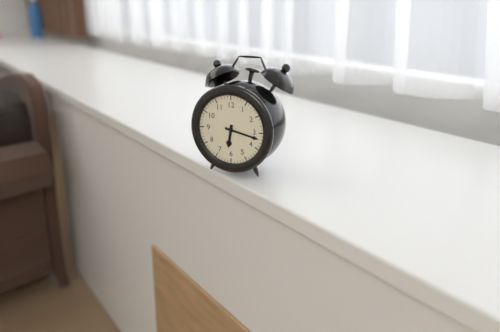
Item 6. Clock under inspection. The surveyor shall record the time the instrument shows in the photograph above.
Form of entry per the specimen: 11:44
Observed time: 6:17
